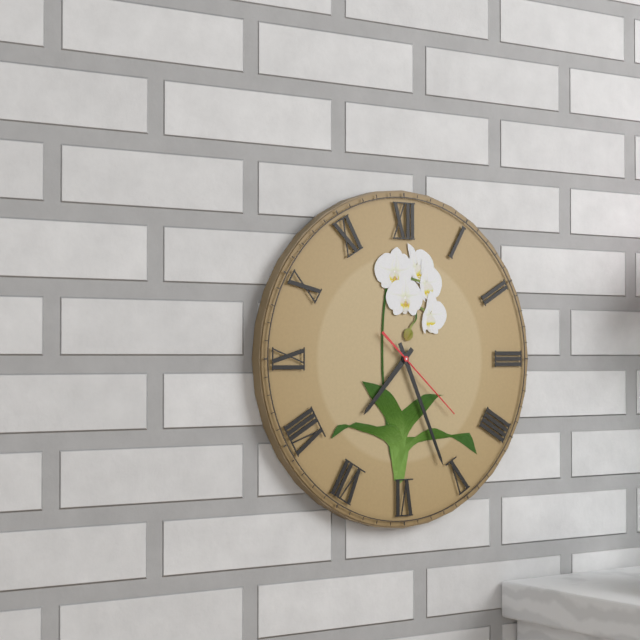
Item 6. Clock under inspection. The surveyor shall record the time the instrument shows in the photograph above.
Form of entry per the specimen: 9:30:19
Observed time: 7:26:22
